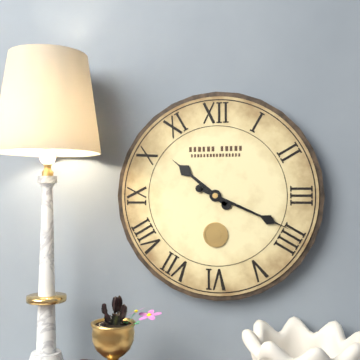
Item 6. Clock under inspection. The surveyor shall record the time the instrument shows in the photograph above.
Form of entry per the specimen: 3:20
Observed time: 10:19
